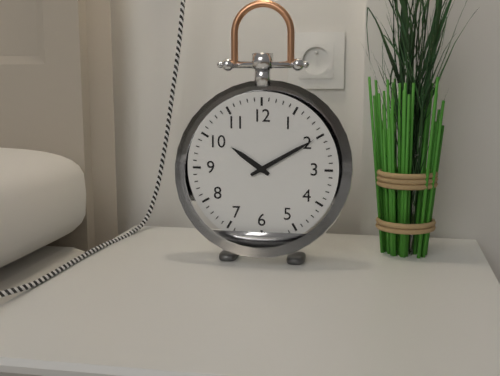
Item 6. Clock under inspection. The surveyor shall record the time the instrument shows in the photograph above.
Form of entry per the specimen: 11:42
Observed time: 10:10
